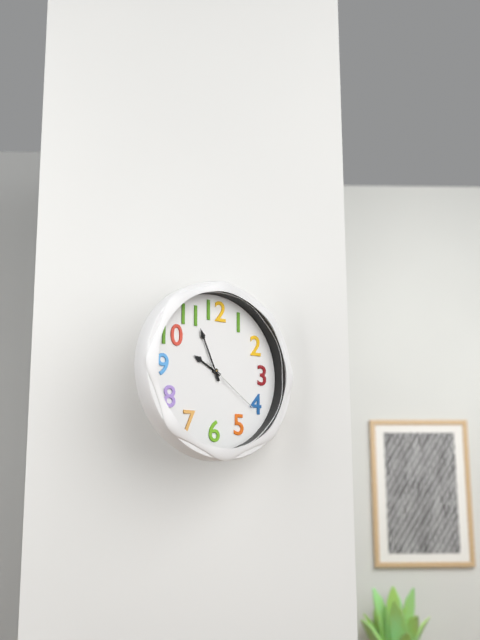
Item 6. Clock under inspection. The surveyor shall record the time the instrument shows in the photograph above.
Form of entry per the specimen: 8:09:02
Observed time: 9:56:21
